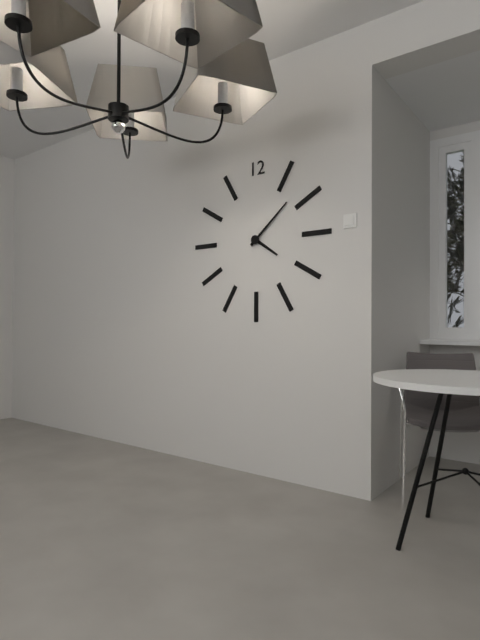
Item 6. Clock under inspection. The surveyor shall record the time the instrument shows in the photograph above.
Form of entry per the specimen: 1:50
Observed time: 4:08
